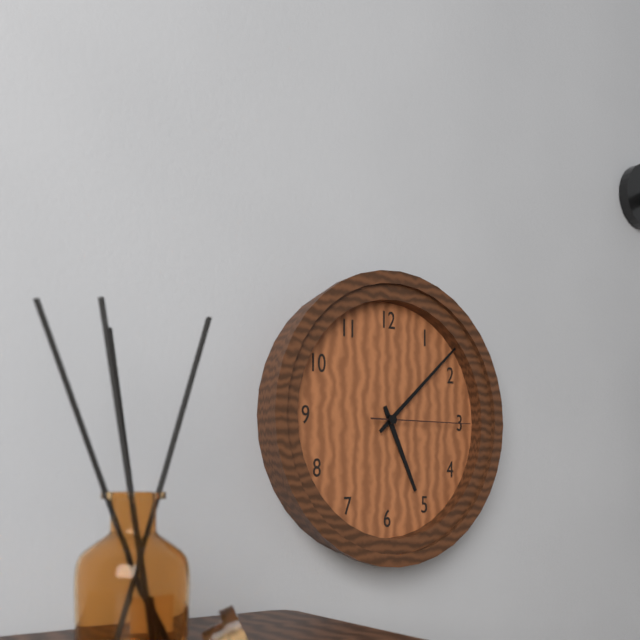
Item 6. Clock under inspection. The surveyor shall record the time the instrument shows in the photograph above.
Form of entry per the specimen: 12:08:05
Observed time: 5:08:15
